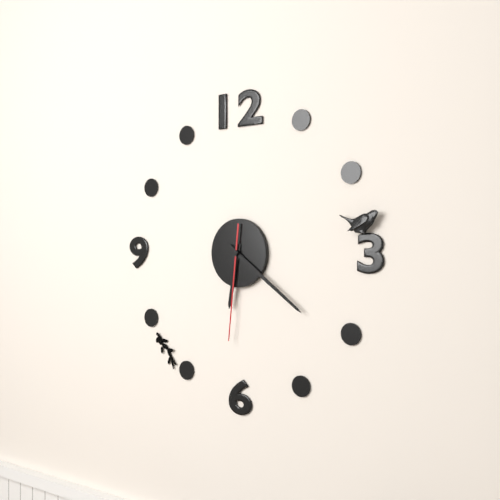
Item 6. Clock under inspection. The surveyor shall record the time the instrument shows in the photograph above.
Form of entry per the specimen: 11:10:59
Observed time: 6:21:31
